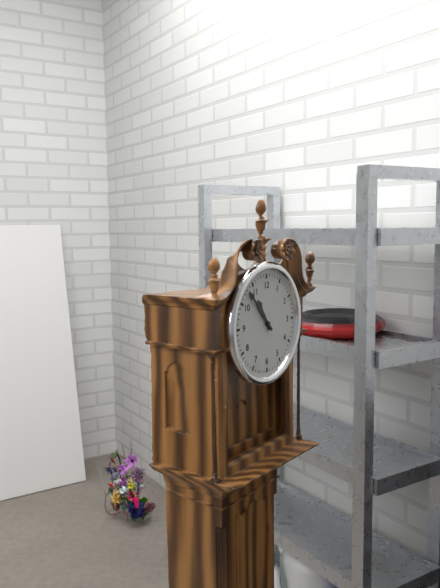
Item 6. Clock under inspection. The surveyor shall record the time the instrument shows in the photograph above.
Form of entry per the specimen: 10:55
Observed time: 10:53
